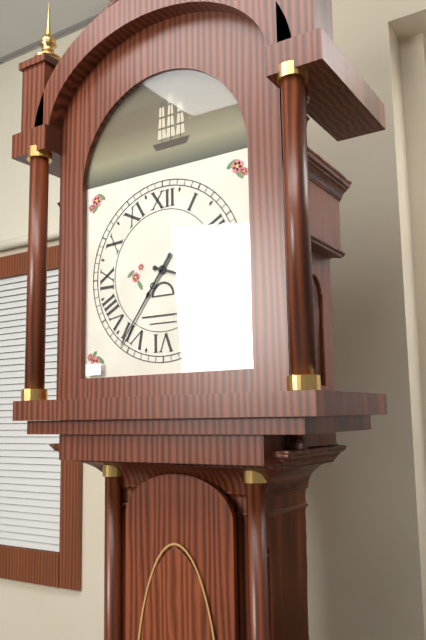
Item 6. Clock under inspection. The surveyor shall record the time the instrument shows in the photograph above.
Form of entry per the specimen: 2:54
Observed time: 3:36
